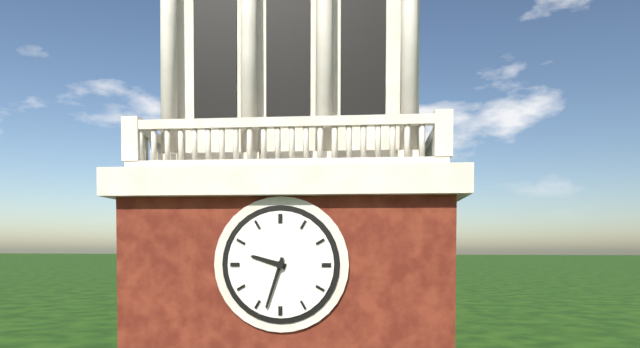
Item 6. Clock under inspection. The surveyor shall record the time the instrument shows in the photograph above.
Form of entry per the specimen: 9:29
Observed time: 9:33
